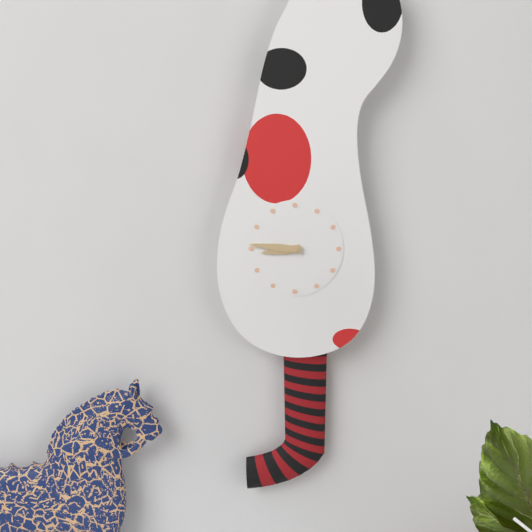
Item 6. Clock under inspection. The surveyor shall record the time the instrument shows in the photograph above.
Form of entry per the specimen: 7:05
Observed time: 8:46
